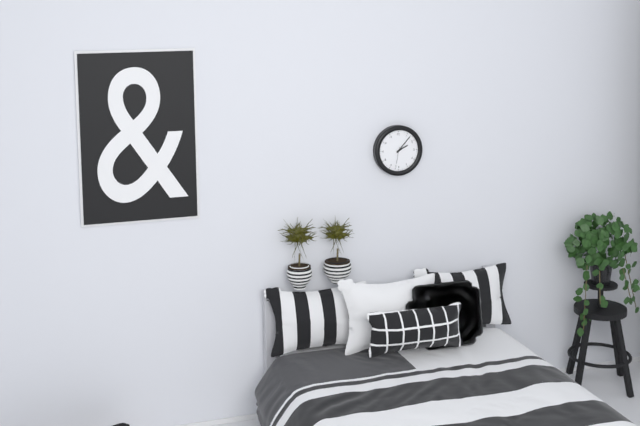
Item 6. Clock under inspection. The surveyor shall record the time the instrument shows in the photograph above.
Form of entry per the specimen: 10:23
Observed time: 2:07
